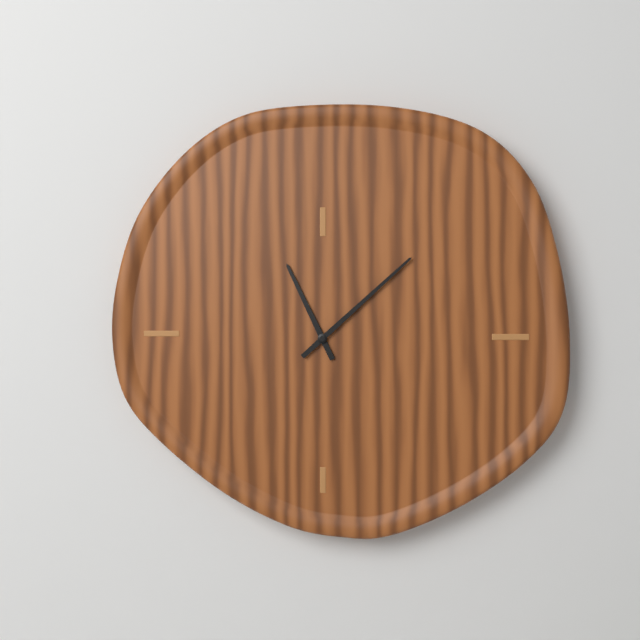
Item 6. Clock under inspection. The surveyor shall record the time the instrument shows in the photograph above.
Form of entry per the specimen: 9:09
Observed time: 11:08
